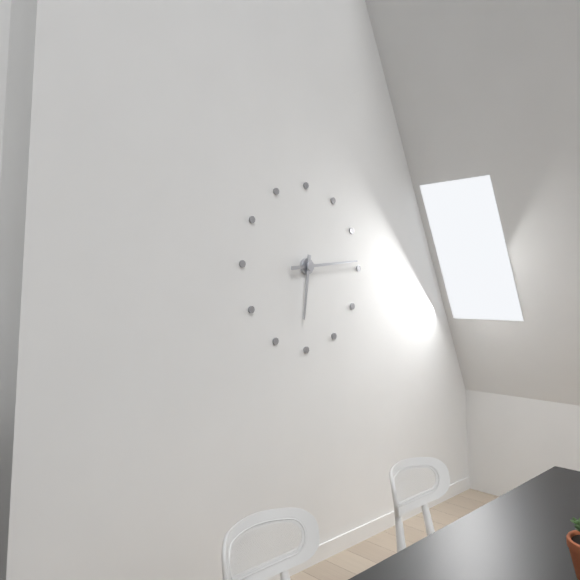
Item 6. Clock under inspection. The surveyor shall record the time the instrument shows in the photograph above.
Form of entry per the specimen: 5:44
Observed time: 6:14
